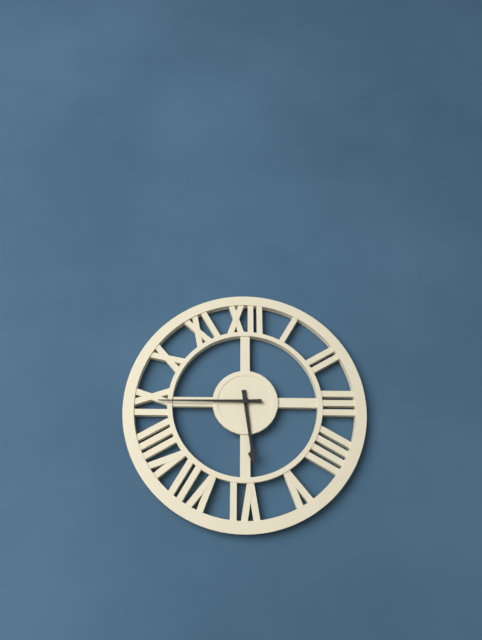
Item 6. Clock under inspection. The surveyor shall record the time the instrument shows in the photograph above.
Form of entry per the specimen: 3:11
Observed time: 5:45
